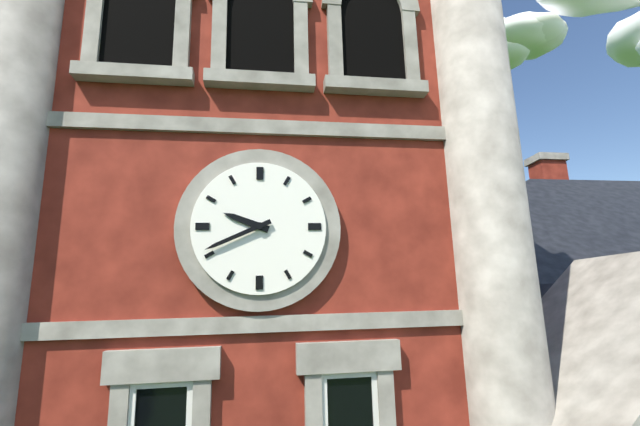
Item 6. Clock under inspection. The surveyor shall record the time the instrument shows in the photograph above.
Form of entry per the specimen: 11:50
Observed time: 9:41
